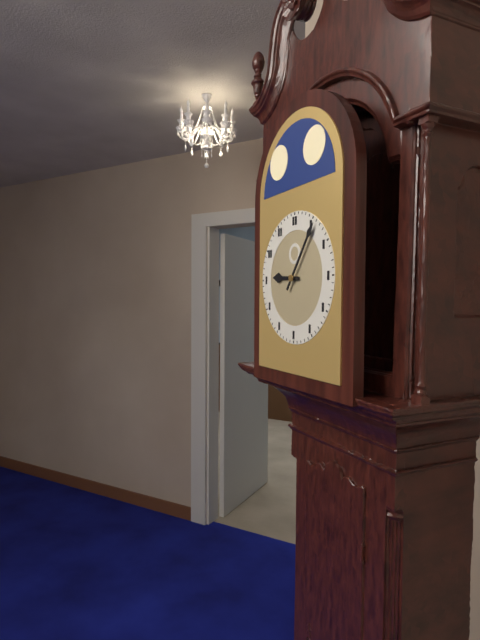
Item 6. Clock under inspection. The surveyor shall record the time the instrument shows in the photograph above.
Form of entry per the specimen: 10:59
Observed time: 9:06
